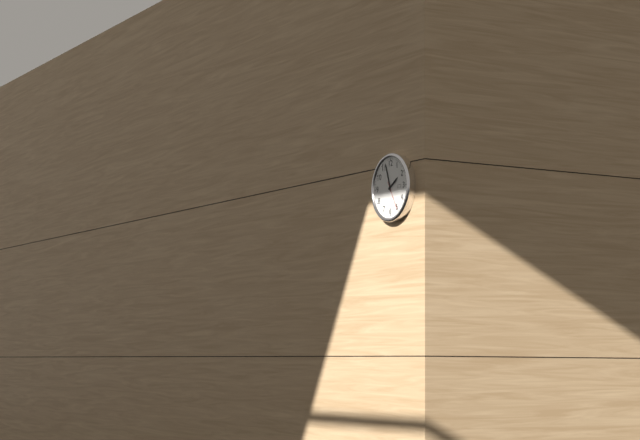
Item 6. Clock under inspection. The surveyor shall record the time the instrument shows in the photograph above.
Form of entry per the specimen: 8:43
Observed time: 1:57
